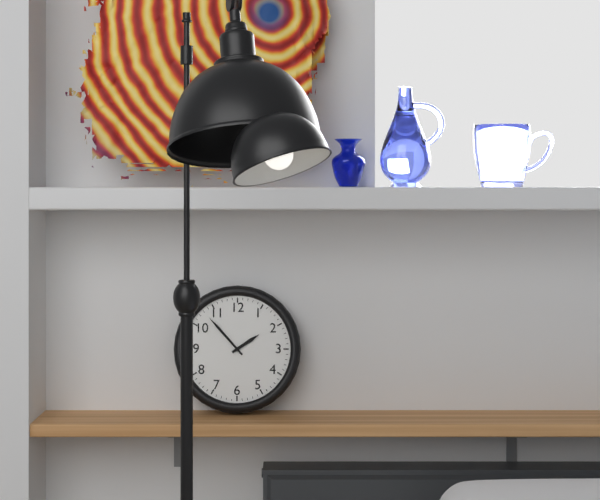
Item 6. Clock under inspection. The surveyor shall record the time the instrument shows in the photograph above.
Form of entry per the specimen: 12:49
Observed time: 1:53
